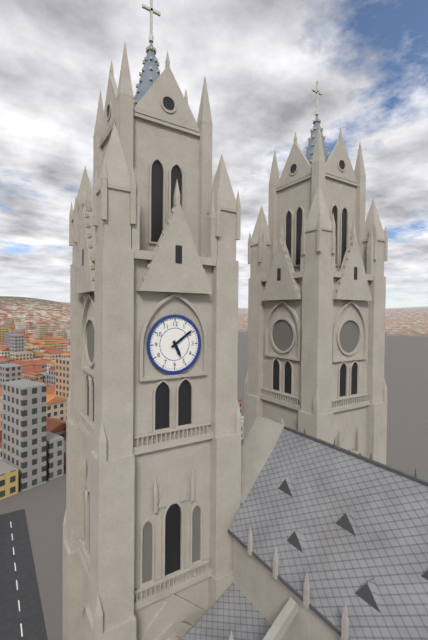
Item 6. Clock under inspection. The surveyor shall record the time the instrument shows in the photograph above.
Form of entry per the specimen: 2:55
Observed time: 5:09
